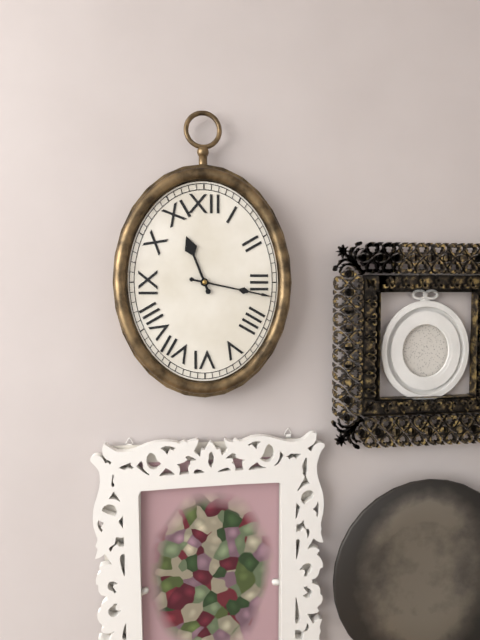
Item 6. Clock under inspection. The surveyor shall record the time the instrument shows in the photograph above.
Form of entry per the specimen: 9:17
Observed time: 11:17
